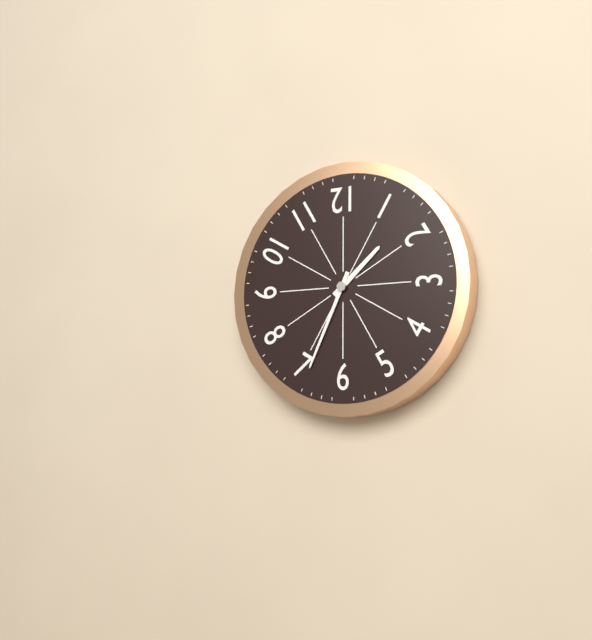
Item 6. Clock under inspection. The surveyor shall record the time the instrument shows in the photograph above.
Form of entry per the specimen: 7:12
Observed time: 1:34
